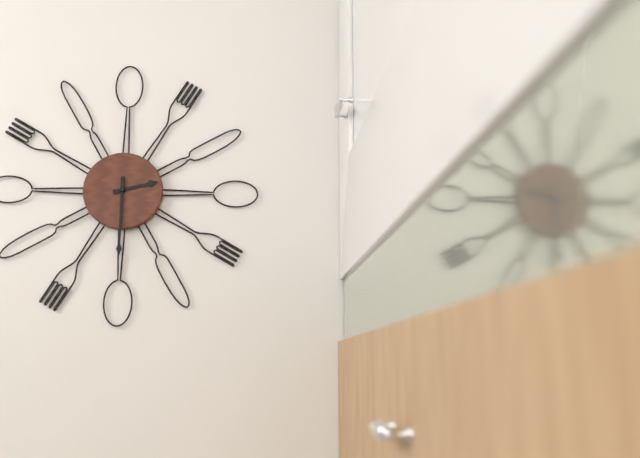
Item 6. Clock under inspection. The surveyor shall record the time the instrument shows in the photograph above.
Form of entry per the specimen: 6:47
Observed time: 2:30
